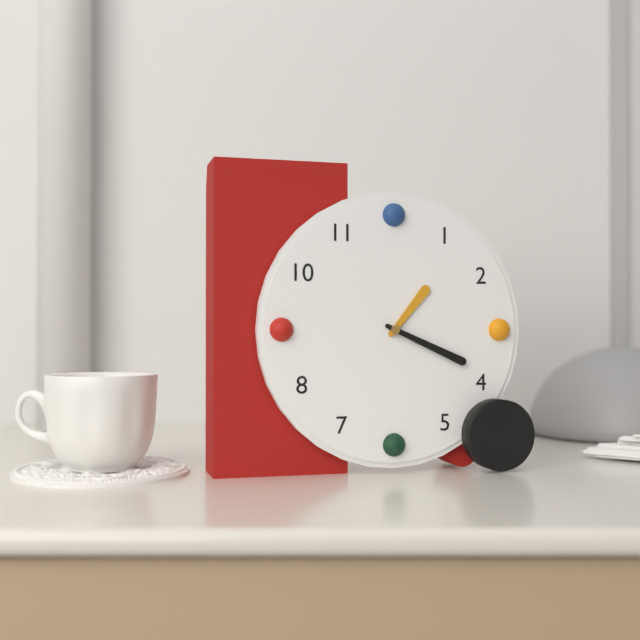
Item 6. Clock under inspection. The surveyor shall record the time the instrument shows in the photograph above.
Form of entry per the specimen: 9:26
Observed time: 1:19
